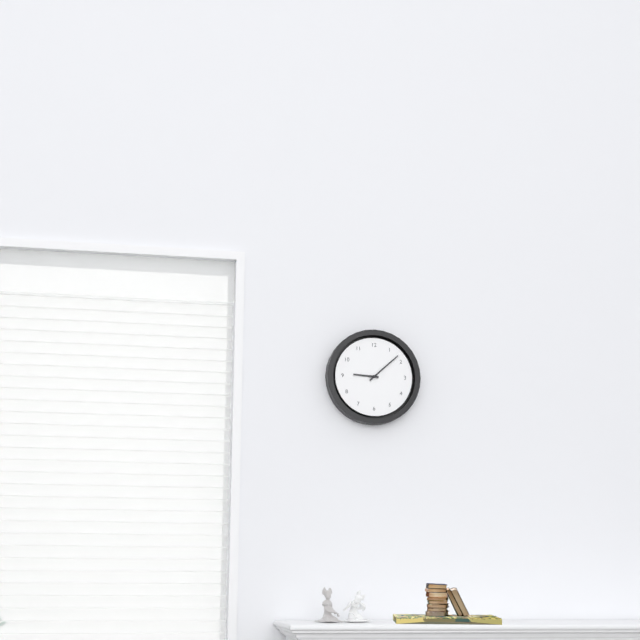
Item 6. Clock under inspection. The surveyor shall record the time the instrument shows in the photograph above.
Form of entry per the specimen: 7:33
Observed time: 9:08
